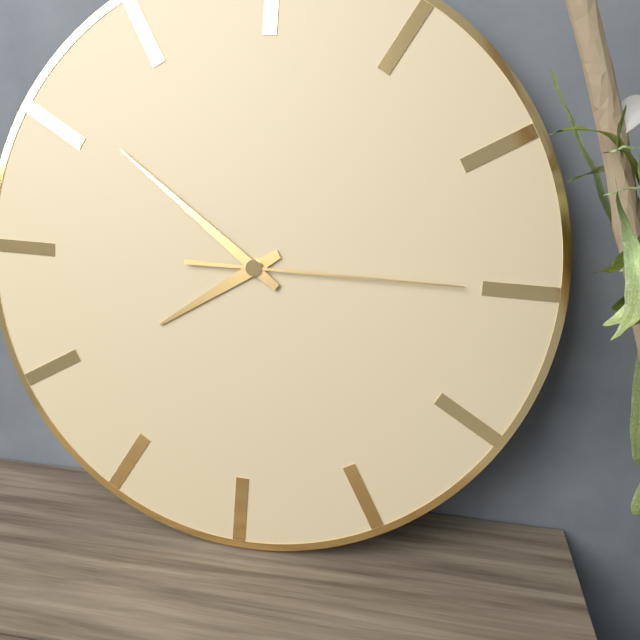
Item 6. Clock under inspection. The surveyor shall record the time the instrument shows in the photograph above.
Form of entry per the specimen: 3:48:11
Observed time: 7:51:15
